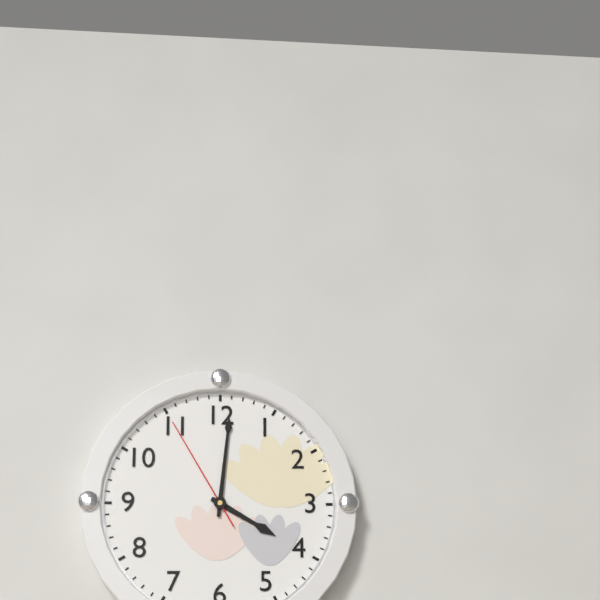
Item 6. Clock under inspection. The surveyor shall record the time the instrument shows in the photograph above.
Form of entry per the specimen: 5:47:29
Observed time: 4:01:55
